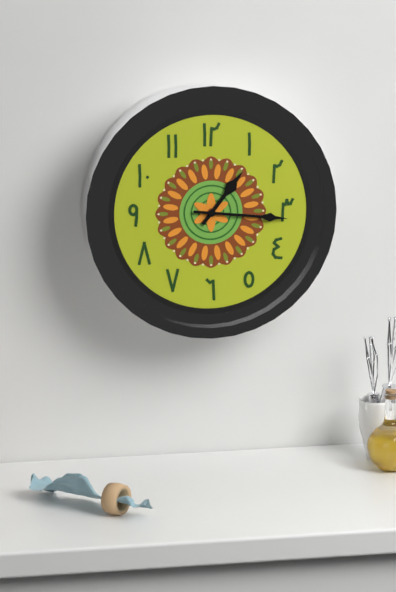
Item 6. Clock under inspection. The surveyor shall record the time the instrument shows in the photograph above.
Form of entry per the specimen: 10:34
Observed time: 1:16
